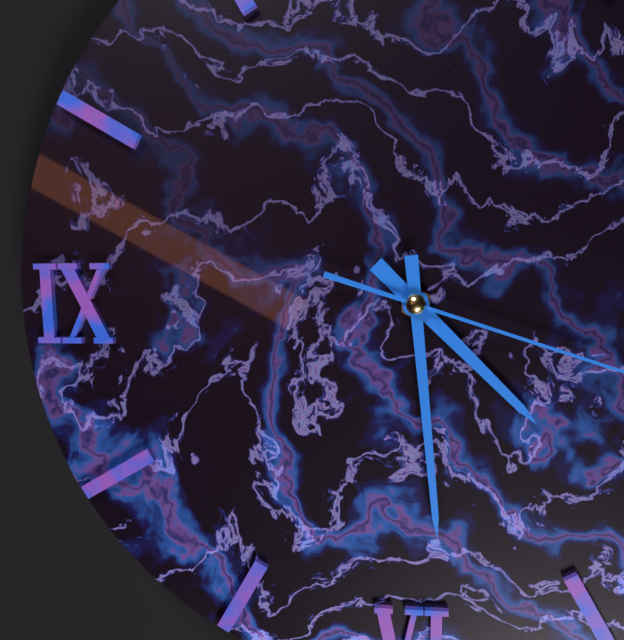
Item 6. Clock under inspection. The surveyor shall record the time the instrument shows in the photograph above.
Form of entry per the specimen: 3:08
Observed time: 4:29
